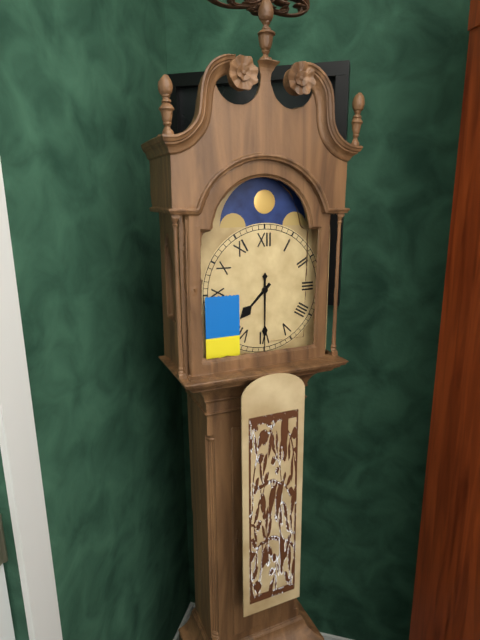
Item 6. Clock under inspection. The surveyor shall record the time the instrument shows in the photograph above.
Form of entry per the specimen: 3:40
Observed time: 7:30
